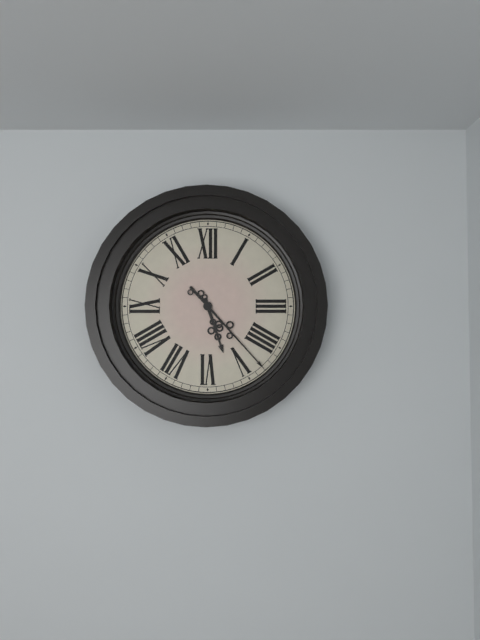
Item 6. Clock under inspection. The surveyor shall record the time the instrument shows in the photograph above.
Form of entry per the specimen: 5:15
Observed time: 5:23
